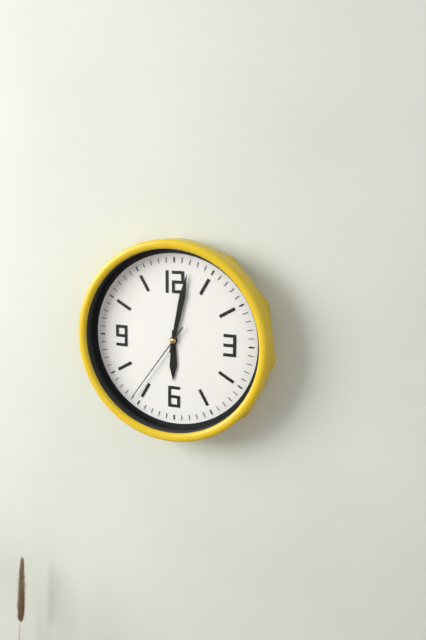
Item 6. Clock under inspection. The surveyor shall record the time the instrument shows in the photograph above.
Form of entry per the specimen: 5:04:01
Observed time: 6:02:36
